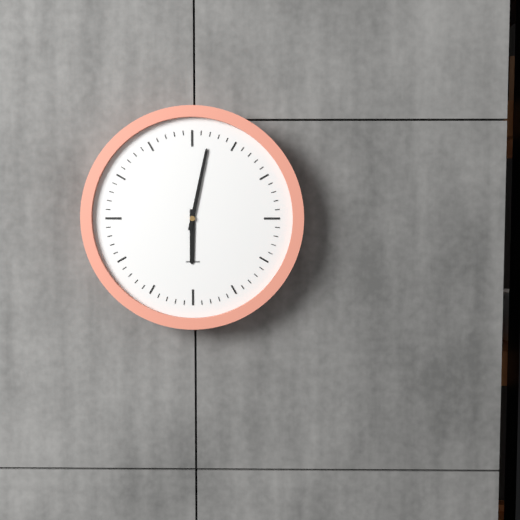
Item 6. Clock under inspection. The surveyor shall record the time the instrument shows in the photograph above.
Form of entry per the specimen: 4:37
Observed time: 6:02
